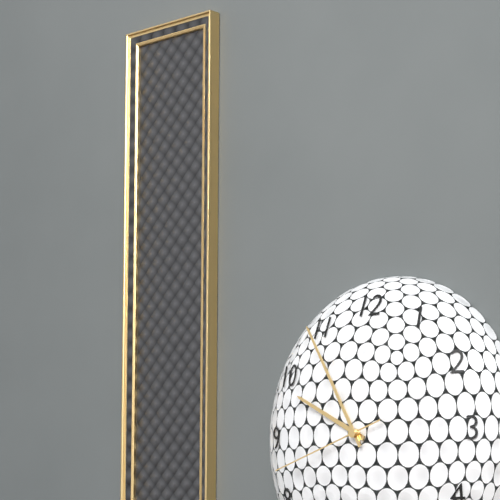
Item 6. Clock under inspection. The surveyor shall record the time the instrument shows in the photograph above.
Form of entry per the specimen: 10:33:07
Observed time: 9:55:42
